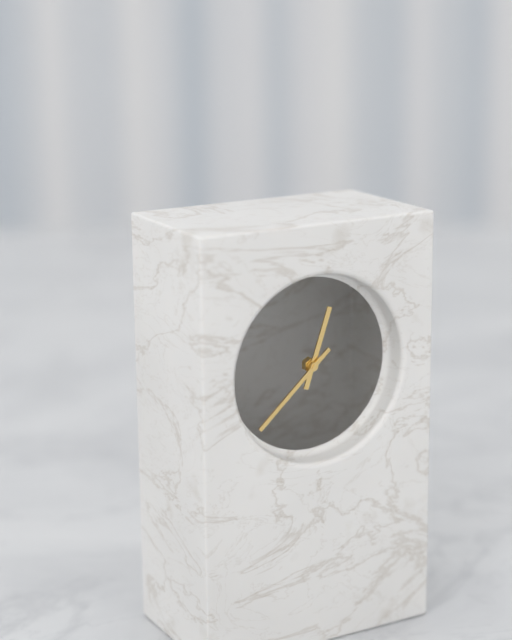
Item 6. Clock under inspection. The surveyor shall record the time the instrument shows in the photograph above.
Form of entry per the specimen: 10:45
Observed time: 12:38
